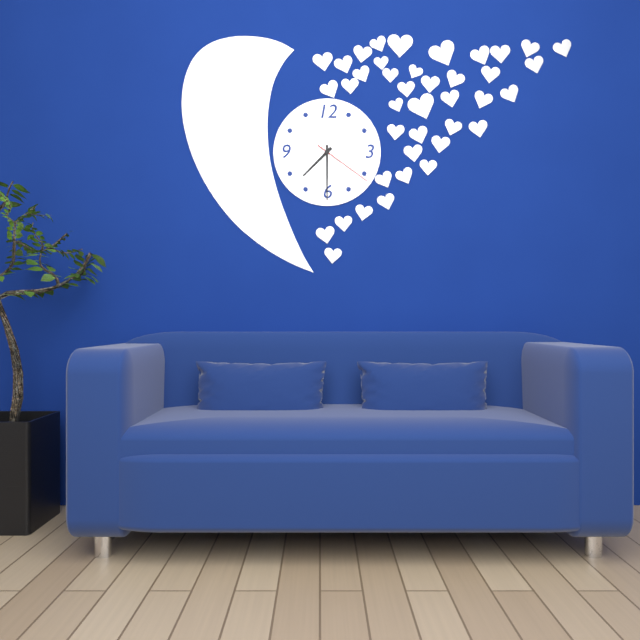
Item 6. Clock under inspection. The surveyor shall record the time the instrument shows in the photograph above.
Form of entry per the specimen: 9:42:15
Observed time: 7:30:21
